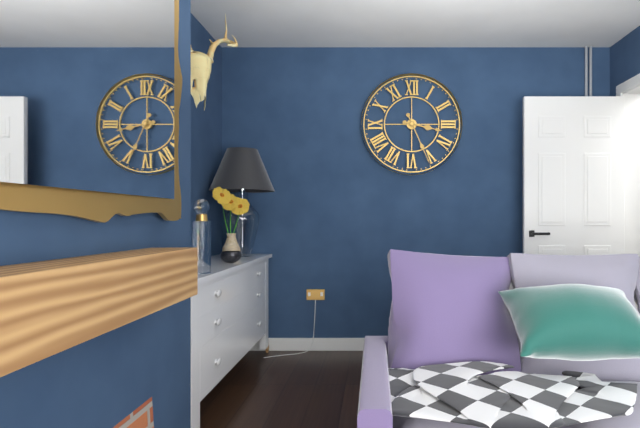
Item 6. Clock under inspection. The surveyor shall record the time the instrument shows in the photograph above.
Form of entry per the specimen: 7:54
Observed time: 3:26
